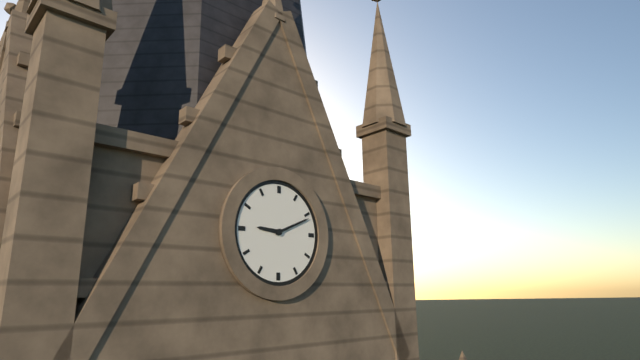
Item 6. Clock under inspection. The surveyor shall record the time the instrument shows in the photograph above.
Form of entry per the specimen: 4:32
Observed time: 9:11
